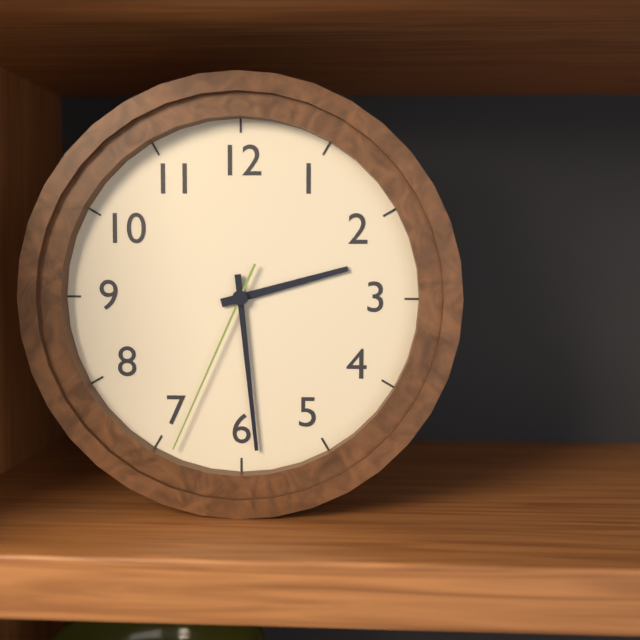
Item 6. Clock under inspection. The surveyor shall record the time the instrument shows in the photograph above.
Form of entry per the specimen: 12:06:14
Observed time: 2:29:34
